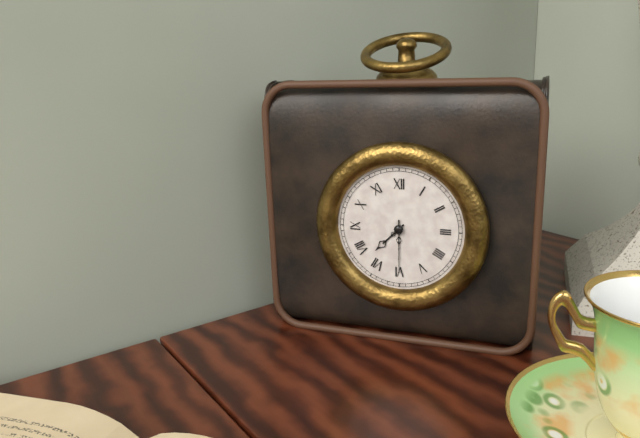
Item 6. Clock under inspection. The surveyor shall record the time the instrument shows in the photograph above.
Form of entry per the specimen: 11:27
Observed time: 7:30
